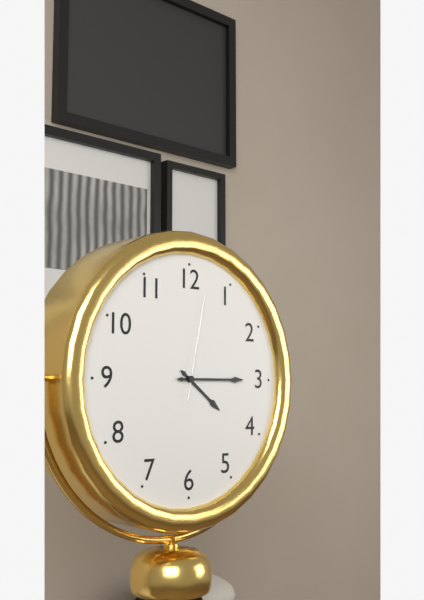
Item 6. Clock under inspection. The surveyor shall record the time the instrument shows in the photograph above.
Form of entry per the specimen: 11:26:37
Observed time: 4:15:02
